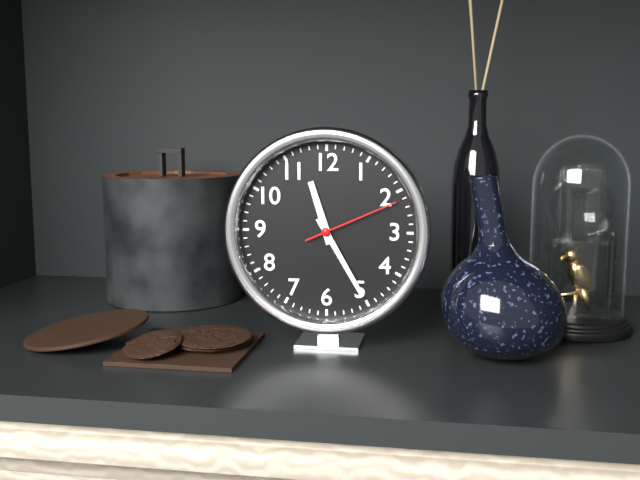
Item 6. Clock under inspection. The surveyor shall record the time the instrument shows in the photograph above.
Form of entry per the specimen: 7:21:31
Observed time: 11:25:11
